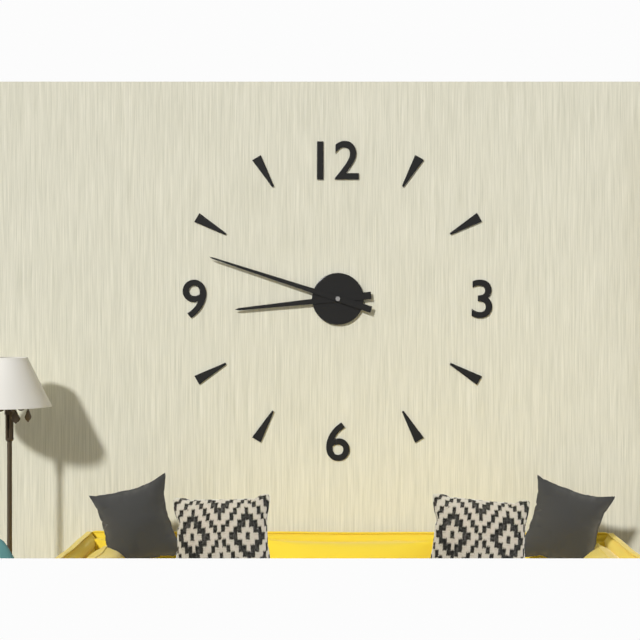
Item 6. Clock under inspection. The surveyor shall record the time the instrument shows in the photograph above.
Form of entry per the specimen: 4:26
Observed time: 8:48
